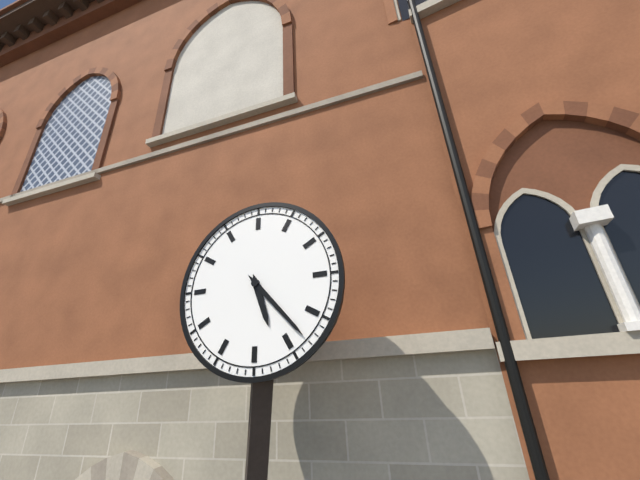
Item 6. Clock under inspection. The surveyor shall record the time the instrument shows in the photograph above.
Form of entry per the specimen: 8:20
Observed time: 5:23
